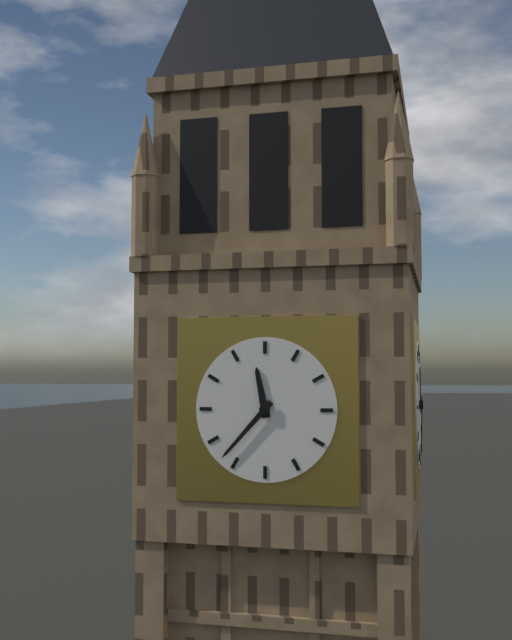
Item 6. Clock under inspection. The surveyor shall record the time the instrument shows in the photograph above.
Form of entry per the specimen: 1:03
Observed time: 11:37
